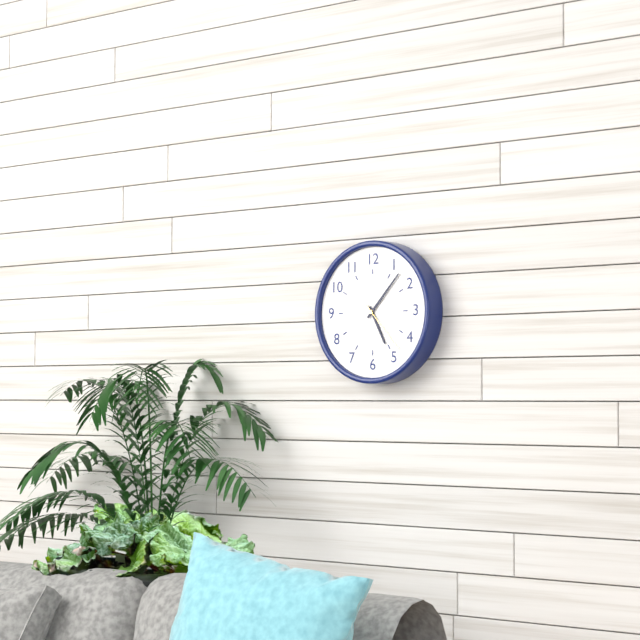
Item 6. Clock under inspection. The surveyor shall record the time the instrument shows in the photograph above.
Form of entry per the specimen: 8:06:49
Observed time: 5:07:23
